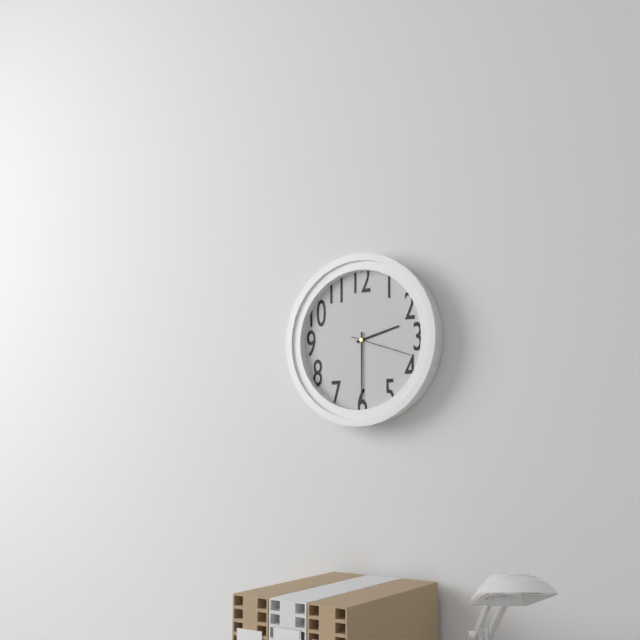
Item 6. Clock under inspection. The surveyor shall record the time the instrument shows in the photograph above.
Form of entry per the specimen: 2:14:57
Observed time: 2:30:18
